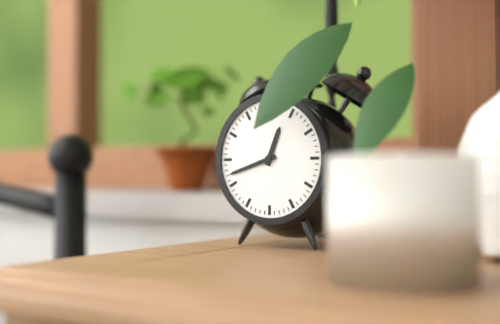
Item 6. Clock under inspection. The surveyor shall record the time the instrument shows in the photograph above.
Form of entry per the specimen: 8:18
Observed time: 12:42
